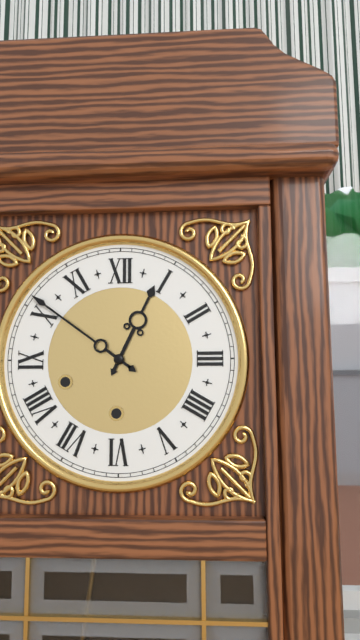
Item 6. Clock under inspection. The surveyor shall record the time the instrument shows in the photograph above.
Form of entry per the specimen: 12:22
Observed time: 12:51
